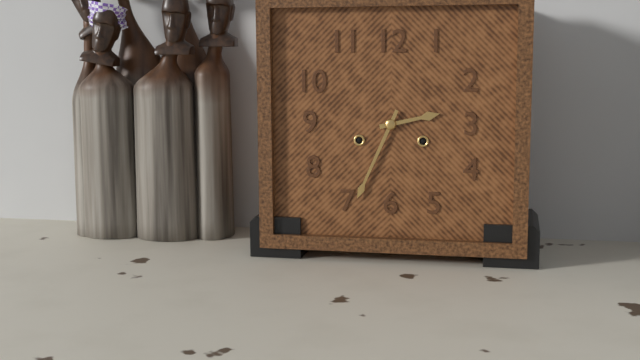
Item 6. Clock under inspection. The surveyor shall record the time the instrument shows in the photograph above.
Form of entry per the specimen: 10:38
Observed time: 2:34
